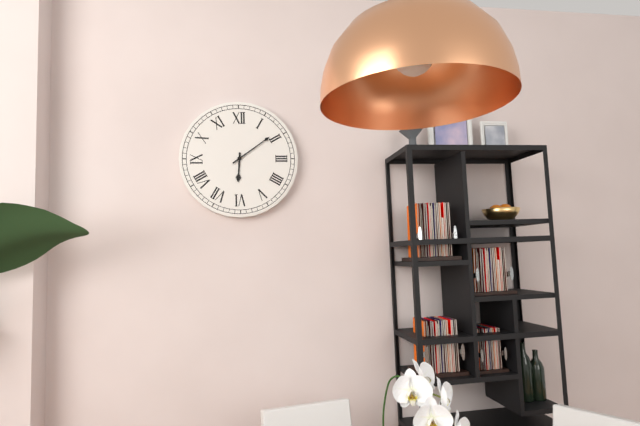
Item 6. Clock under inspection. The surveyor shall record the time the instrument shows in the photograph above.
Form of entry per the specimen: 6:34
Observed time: 6:09
